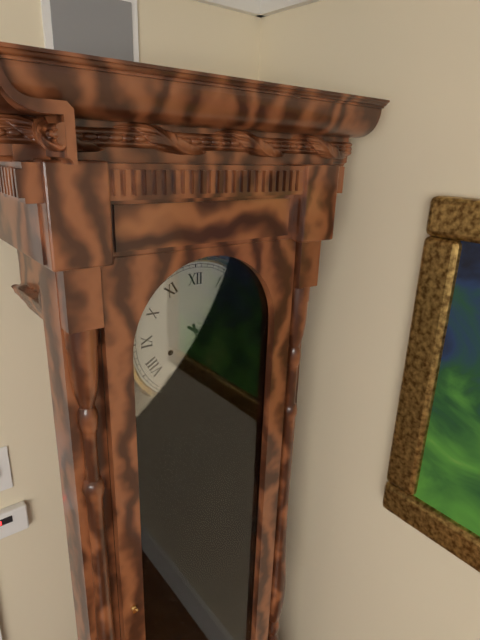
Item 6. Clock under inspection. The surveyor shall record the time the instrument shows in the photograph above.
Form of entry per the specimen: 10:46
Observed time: 5:21
